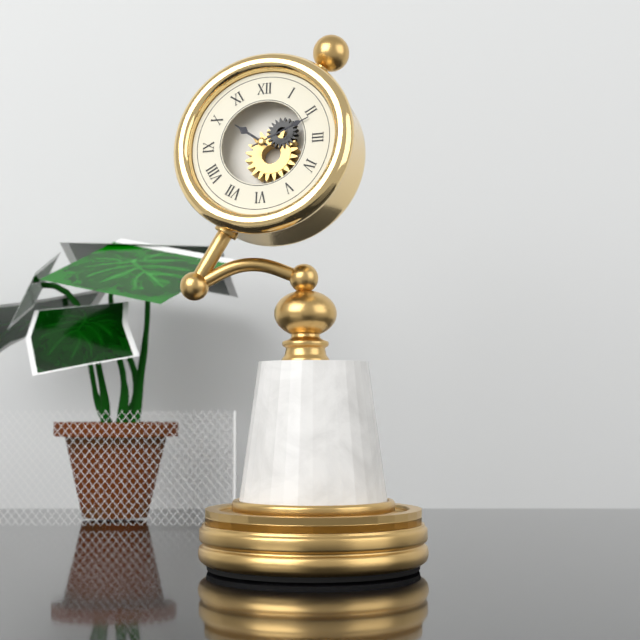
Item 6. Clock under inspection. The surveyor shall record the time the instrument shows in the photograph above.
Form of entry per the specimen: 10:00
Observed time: 10:11
